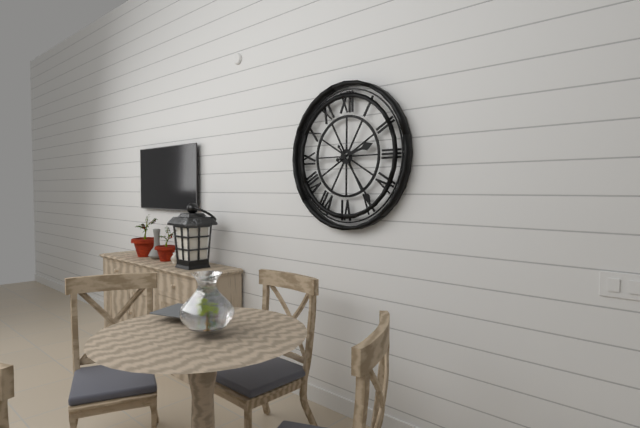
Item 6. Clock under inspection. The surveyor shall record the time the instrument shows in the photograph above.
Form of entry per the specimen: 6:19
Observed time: 2:24
